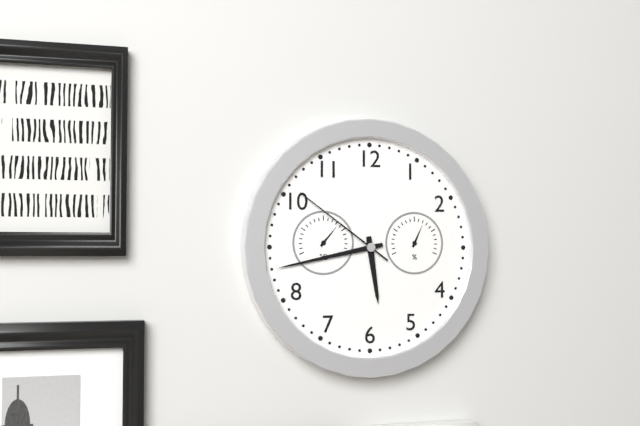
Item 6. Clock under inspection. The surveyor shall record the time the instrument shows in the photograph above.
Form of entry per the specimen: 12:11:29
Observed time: 5:43:51
